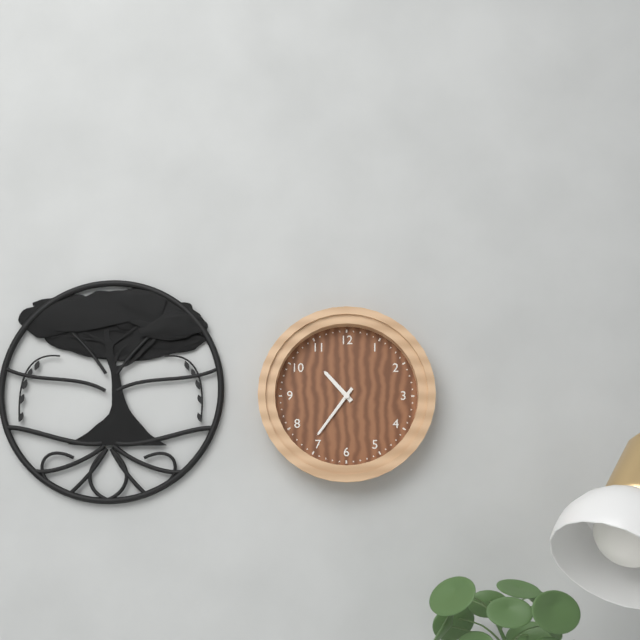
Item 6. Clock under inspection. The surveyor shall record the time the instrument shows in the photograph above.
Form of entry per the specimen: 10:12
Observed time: 10:36
